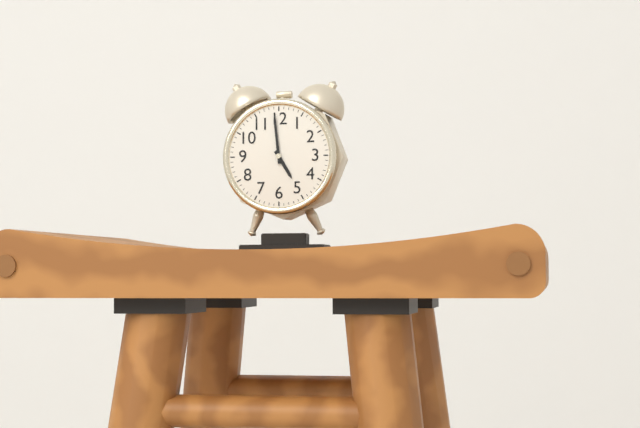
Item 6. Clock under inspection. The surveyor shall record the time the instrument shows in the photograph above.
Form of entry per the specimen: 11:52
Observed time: 4:59
